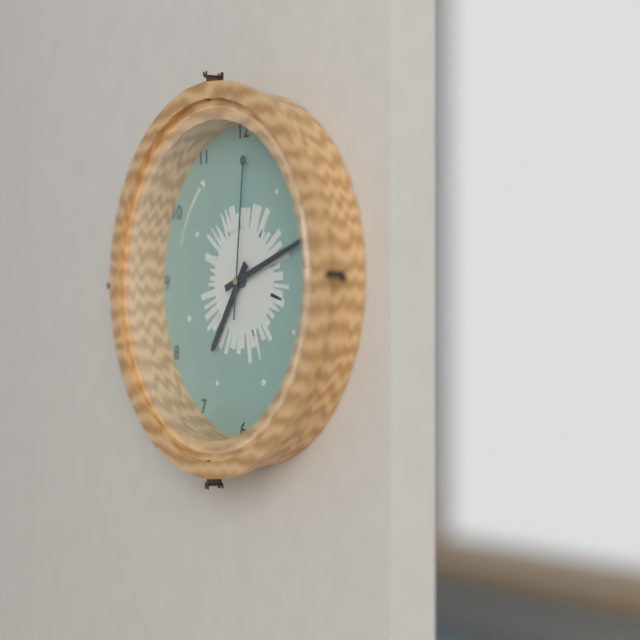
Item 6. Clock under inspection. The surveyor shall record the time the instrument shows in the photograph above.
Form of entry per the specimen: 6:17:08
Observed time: 7:12:01
